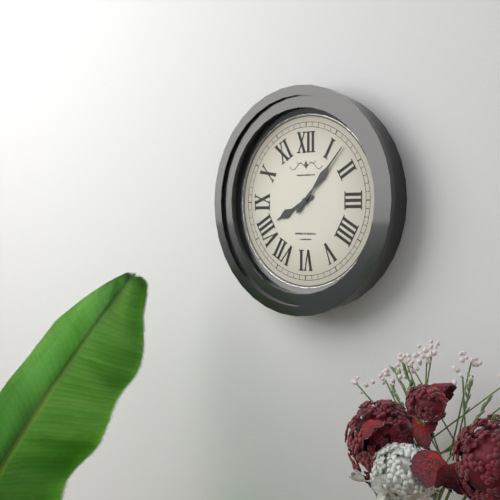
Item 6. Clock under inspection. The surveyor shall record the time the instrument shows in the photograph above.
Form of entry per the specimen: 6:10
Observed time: 8:07
